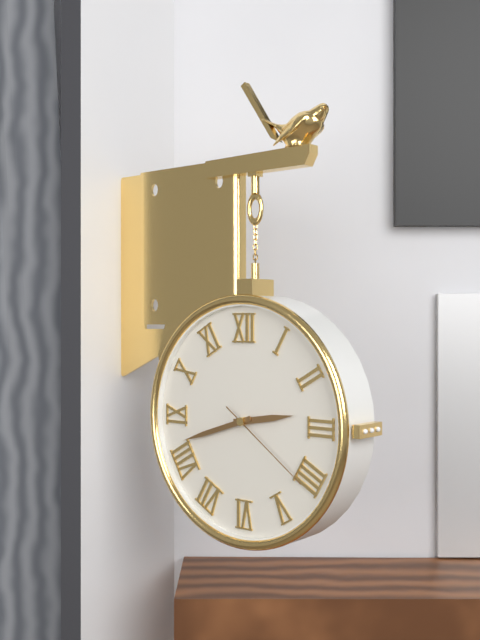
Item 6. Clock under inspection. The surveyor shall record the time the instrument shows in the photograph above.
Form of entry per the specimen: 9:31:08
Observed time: 2:42:21
